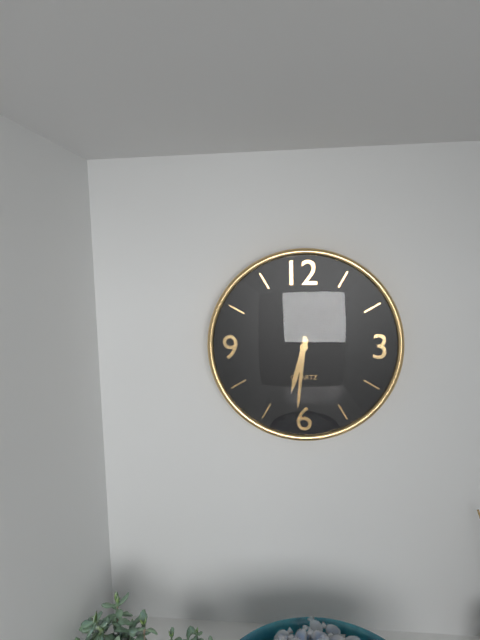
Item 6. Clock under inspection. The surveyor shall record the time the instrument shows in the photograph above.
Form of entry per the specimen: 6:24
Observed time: 6:31
